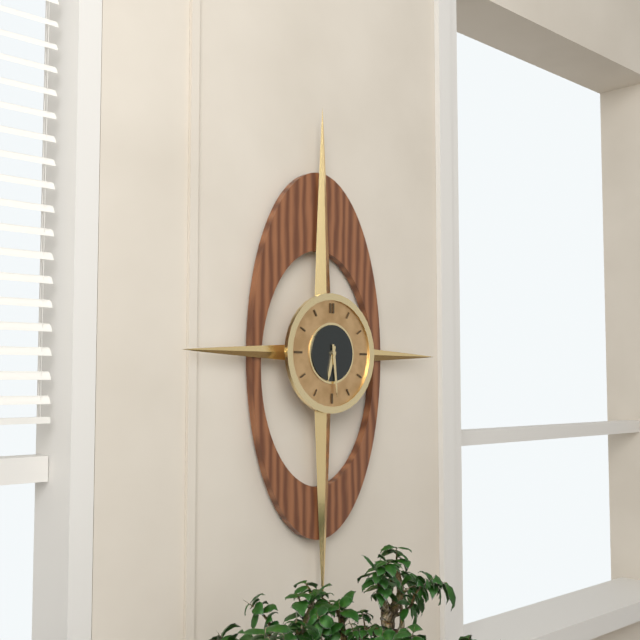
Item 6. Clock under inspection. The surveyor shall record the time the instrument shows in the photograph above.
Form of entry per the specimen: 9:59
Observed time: 6:29
